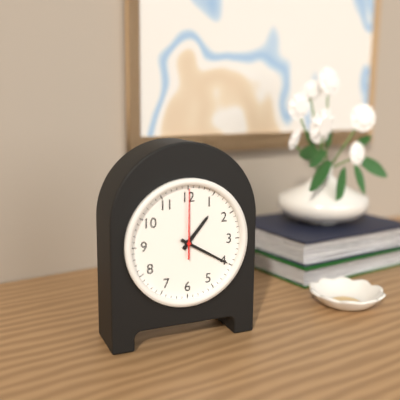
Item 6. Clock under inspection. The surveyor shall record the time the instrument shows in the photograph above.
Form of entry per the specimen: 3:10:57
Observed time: 1:20:00
